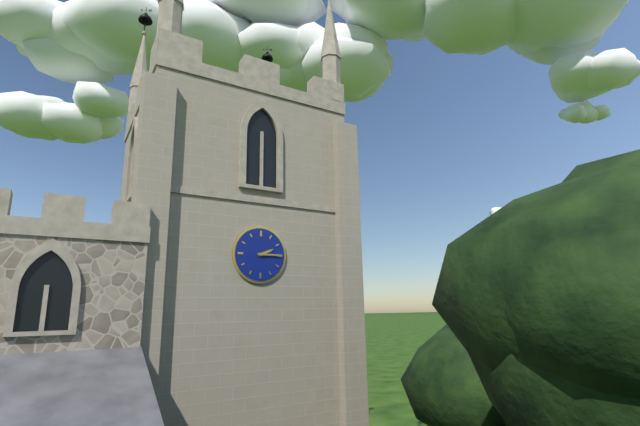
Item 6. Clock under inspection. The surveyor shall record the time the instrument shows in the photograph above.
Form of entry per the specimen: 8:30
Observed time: 2:15
